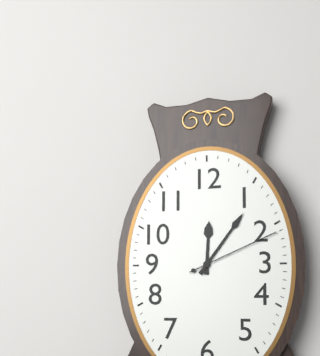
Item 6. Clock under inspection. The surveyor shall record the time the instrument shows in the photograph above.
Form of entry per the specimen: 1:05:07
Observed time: 12:06:11
